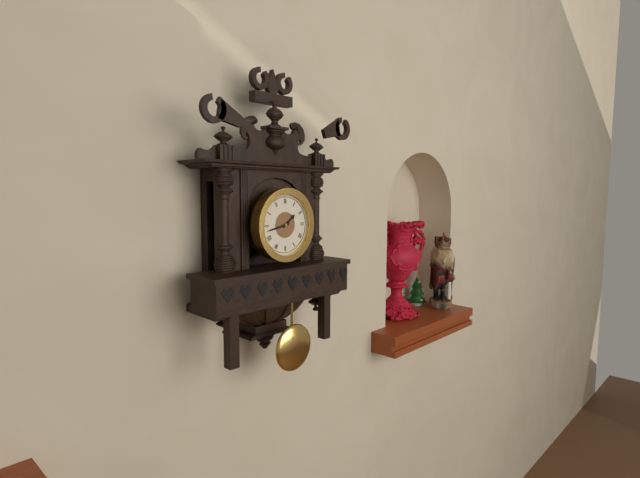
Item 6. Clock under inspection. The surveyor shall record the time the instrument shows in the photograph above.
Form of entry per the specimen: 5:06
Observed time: 1:43
